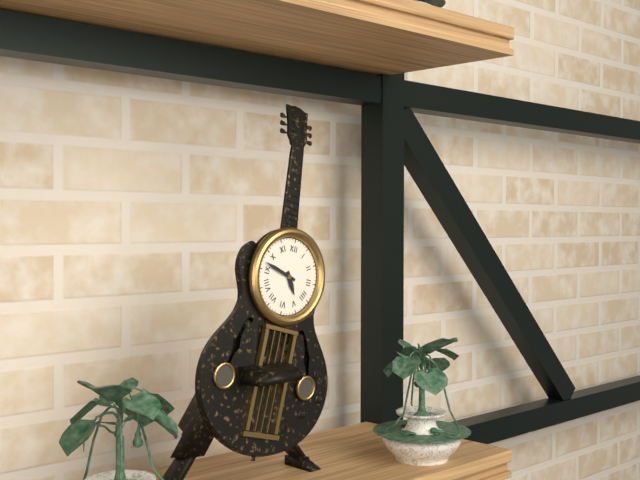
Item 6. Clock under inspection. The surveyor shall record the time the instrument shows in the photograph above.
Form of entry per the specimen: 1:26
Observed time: 4:47
